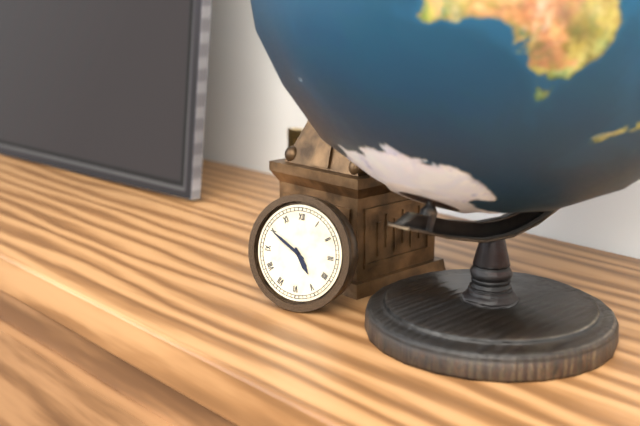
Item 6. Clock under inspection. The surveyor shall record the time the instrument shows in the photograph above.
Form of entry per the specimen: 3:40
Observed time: 4:50
